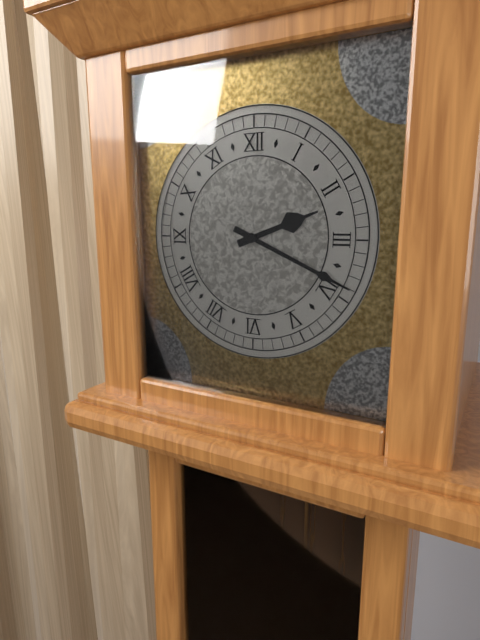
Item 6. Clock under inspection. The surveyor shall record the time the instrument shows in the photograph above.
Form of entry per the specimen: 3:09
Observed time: 2:19
